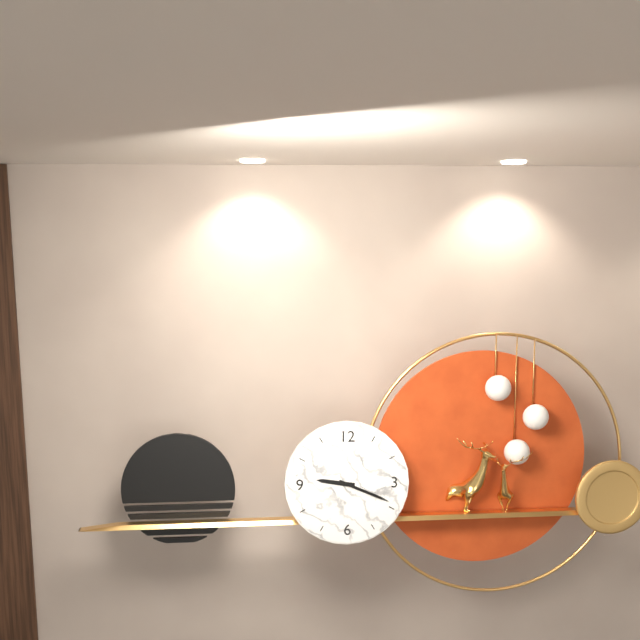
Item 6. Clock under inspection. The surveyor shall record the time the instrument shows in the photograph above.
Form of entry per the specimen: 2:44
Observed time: 9:19
